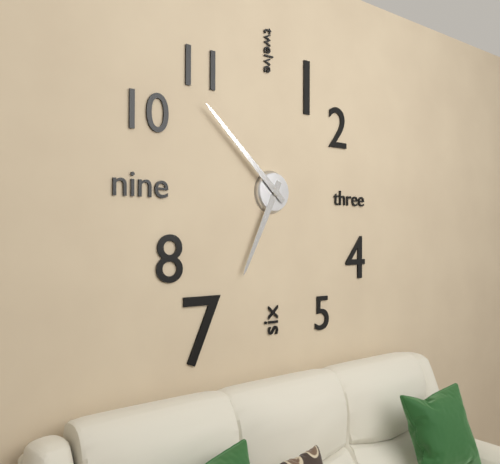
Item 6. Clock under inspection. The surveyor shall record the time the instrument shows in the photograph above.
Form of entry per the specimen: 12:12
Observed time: 6:52
